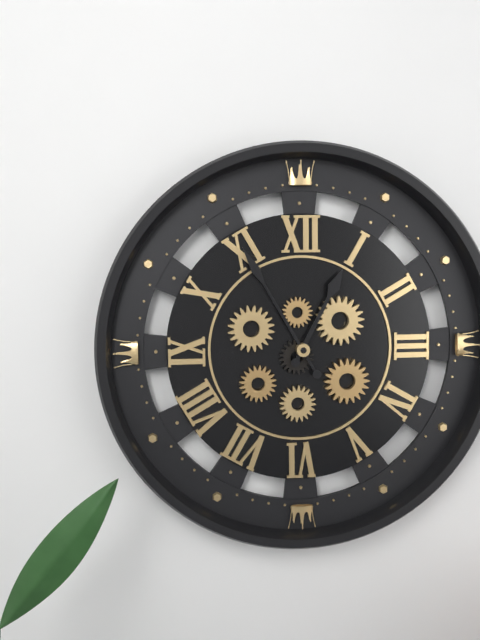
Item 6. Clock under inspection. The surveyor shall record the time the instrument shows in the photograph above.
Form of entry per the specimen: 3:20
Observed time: 12:55
